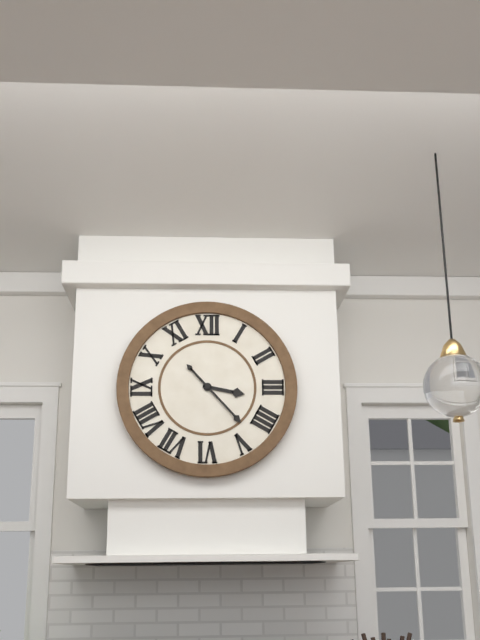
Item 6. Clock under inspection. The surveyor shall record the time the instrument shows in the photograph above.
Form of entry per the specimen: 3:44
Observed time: 3:23
